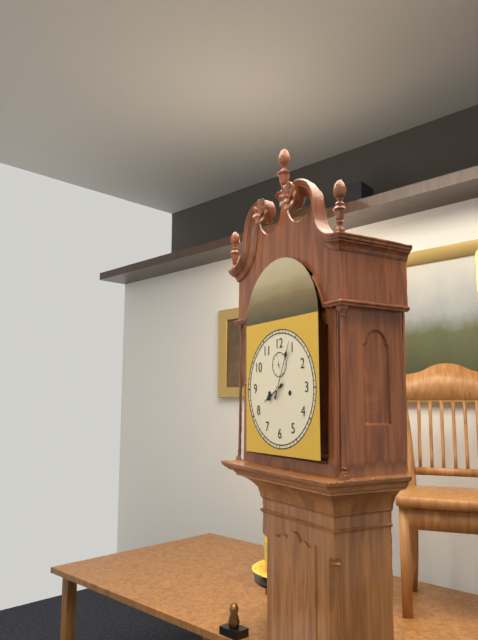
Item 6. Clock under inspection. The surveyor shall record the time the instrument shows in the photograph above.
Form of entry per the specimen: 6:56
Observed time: 8:04
